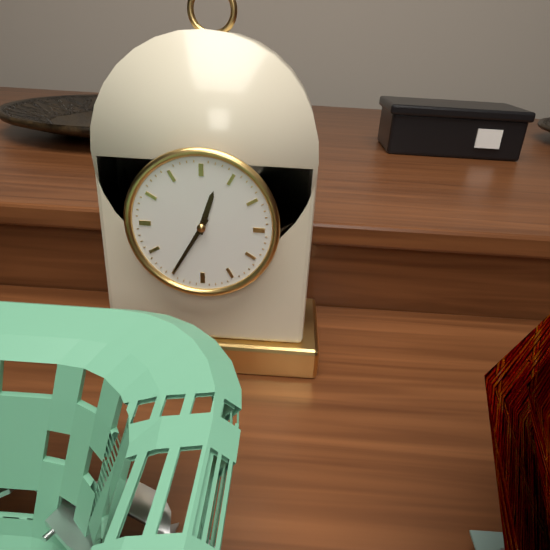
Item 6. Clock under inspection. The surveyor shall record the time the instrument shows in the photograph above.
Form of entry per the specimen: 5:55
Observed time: 12:35
